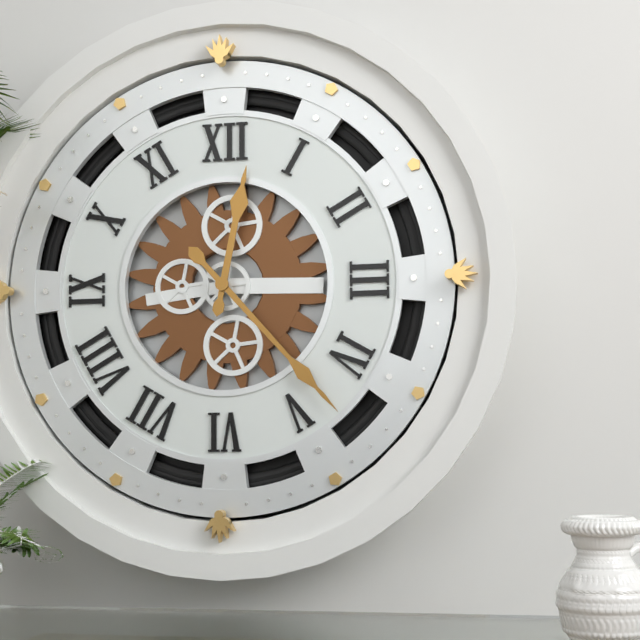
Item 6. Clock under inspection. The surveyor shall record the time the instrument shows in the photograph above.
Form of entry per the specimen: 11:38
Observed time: 12:23
